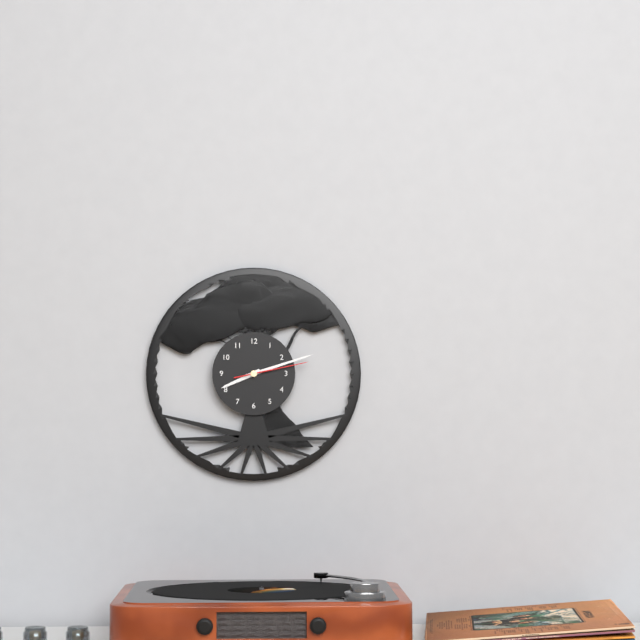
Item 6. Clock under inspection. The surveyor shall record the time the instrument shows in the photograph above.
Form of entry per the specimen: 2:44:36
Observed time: 8:12:13
